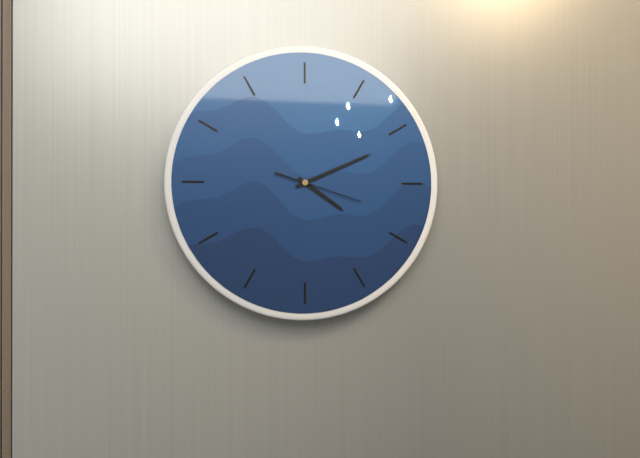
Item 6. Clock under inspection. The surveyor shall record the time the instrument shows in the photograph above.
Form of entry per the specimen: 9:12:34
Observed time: 4:11:18
